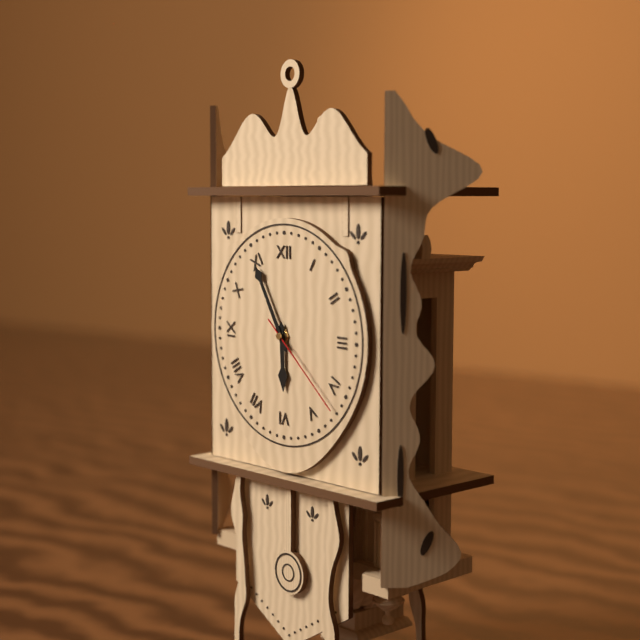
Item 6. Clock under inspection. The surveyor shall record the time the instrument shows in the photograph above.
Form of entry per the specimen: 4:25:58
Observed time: 5:55:22
